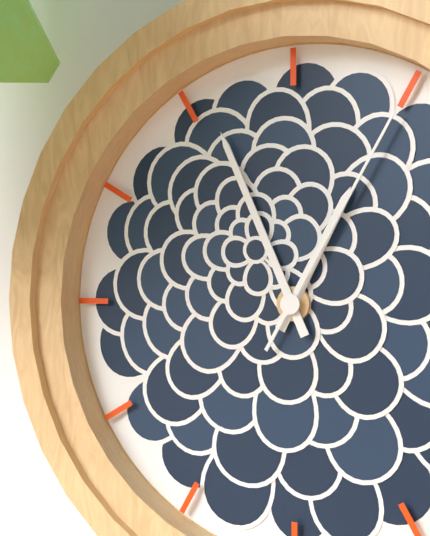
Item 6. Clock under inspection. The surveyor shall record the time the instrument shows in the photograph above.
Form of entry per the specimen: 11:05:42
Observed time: 12:56:05
